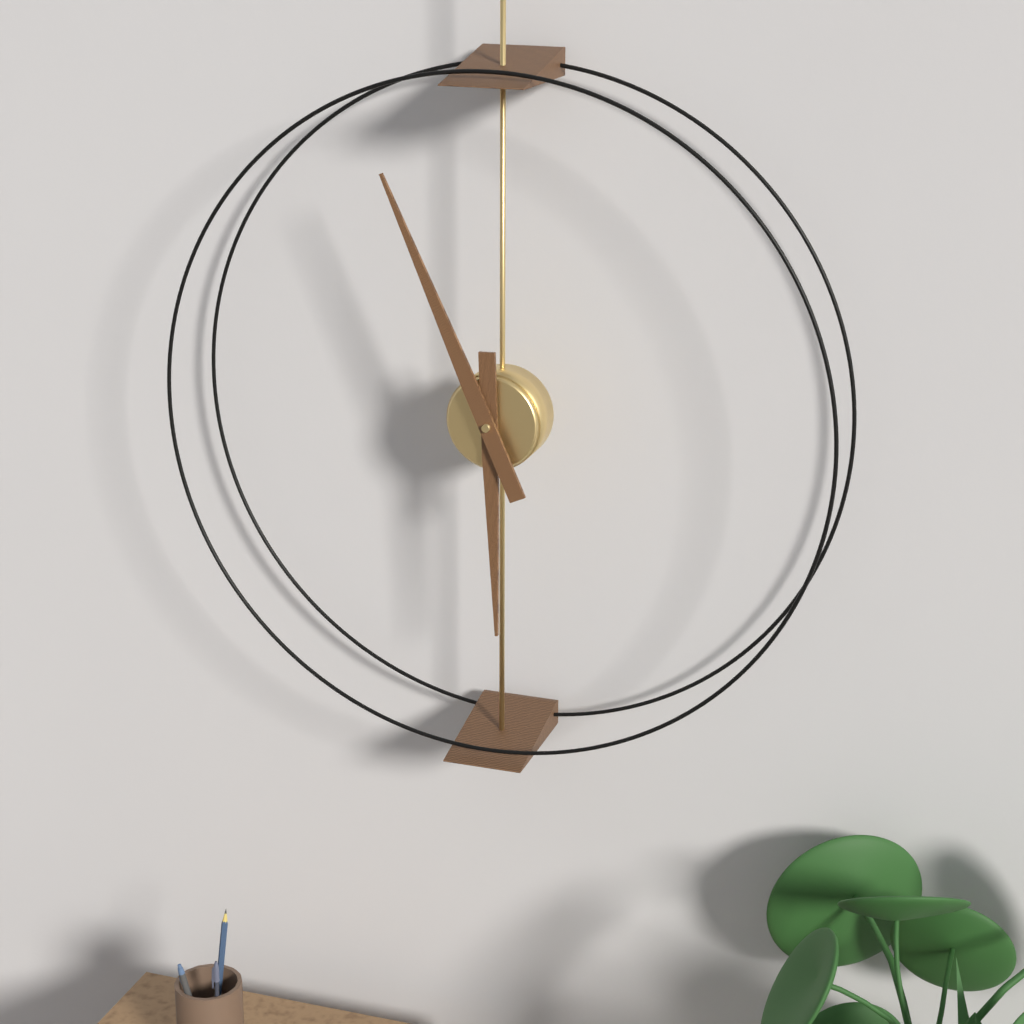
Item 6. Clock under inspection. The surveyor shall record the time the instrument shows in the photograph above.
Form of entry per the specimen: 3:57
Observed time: 5:56
